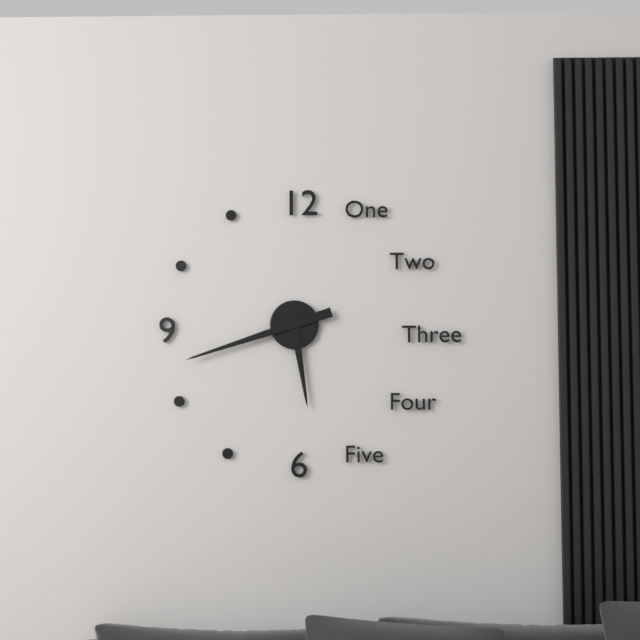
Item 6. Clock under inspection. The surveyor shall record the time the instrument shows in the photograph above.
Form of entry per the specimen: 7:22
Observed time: 5:42
